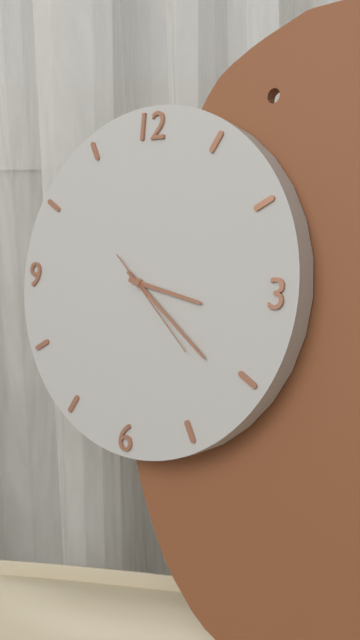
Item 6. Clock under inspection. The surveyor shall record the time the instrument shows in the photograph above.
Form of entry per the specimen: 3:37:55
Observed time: 3:21:22
